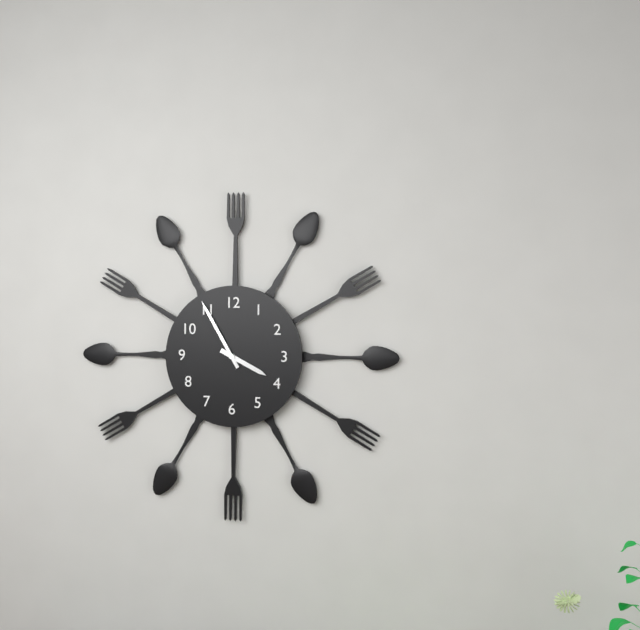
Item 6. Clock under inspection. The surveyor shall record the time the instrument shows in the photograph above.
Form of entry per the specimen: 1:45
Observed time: 3:55
